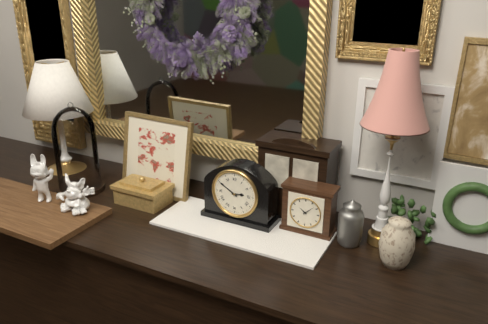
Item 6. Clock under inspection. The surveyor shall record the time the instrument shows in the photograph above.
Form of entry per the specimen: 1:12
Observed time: 2:50
